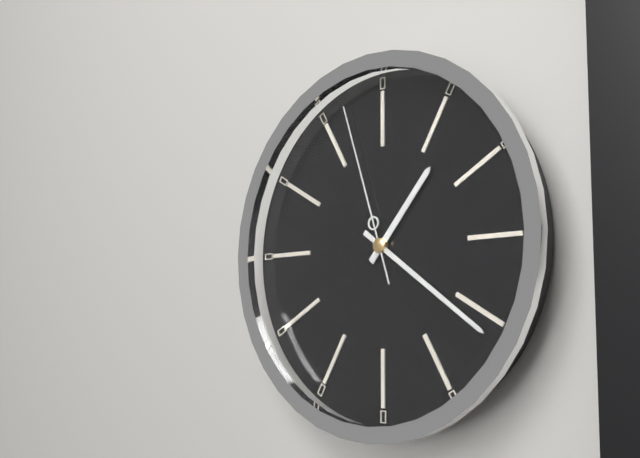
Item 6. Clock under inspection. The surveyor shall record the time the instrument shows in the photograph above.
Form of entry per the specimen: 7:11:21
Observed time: 1:21:57
